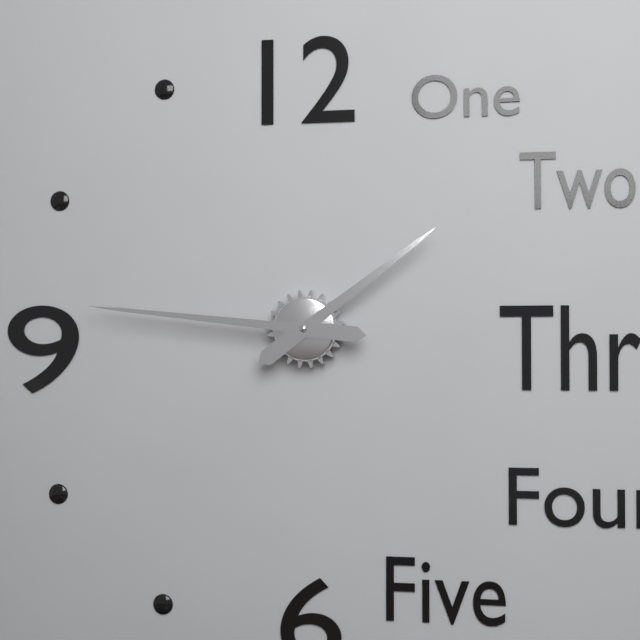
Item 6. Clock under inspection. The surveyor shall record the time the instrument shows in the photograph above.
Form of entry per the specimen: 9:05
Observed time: 1:46
